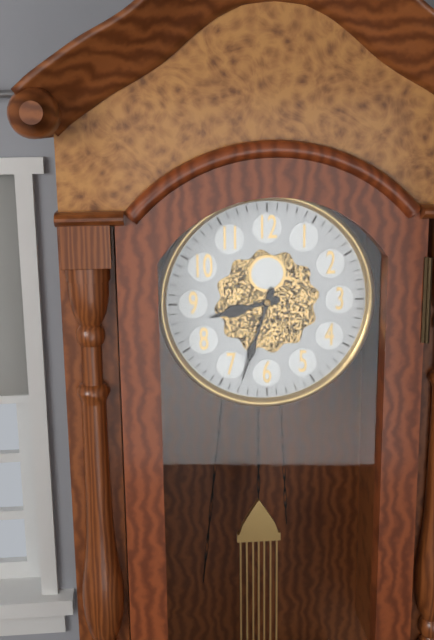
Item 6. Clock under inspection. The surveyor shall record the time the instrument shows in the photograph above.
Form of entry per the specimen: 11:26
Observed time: 8:33
